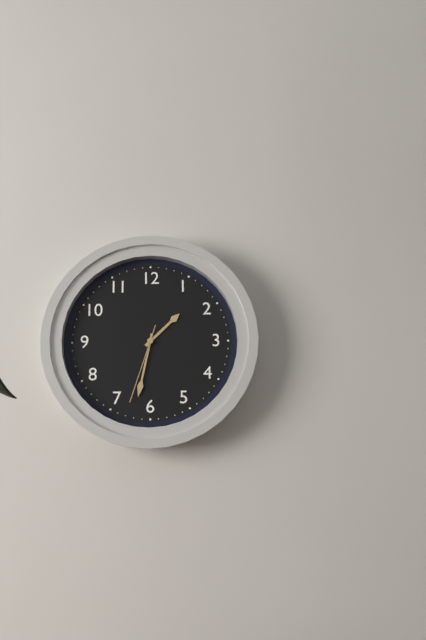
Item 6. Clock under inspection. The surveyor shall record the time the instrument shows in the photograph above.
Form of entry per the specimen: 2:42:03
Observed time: 1:32:33
